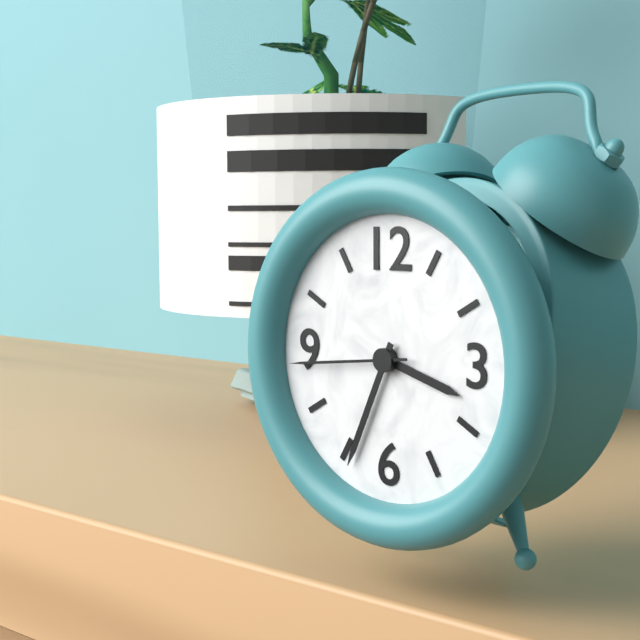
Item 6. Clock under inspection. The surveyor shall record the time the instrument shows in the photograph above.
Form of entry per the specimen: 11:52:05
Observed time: 3:34:44
